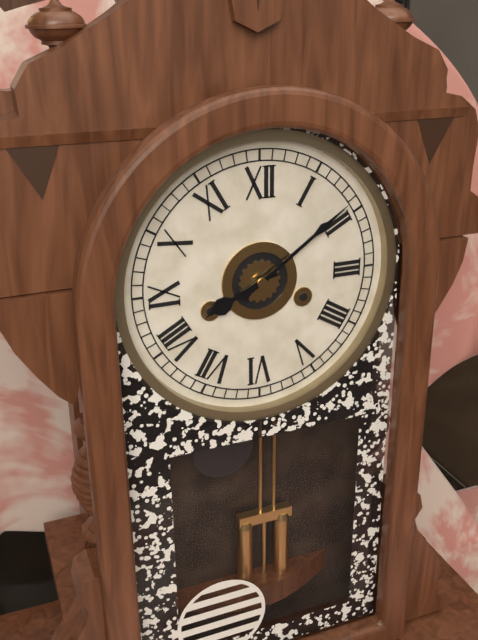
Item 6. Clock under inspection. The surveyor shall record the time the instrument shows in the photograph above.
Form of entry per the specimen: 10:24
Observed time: 8:09
